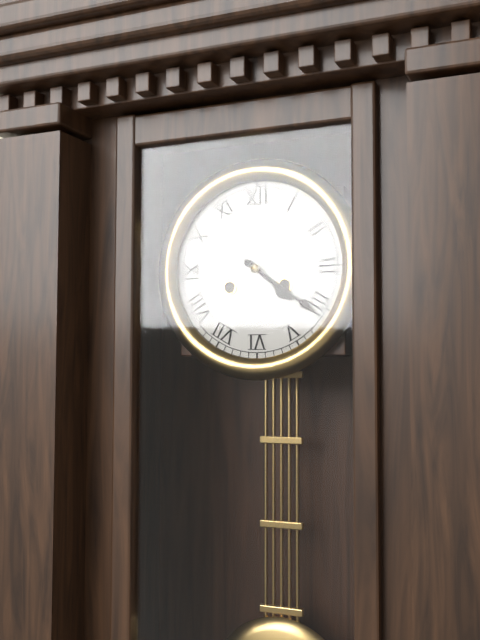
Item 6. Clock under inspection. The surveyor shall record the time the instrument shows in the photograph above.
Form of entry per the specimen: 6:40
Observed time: 4:21
